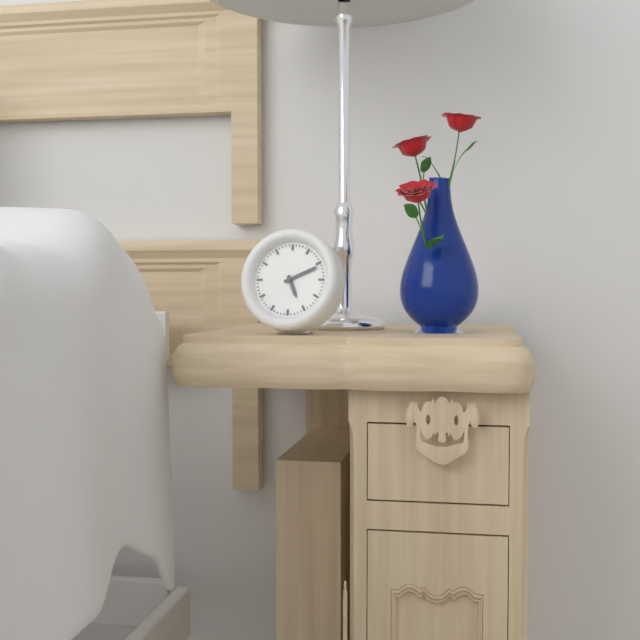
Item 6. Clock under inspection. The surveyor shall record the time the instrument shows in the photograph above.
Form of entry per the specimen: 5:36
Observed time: 5:11
